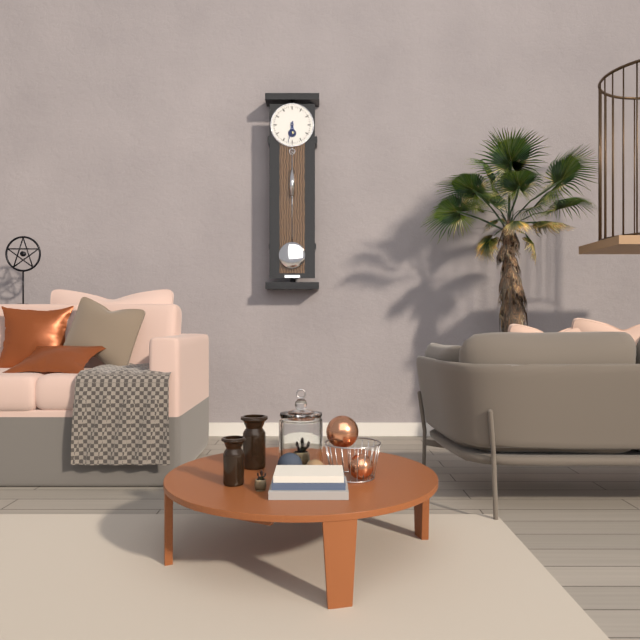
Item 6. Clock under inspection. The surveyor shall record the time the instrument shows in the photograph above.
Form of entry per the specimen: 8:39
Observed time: 5:32
